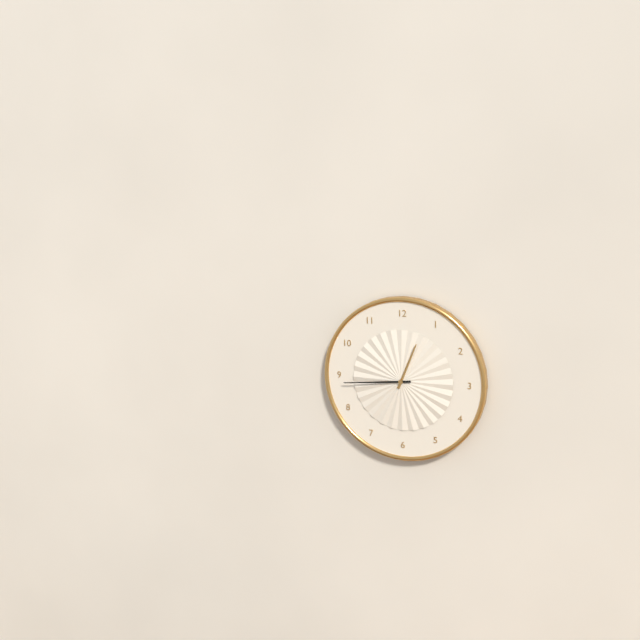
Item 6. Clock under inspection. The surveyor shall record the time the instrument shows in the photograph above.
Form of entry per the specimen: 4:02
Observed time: 12:44
